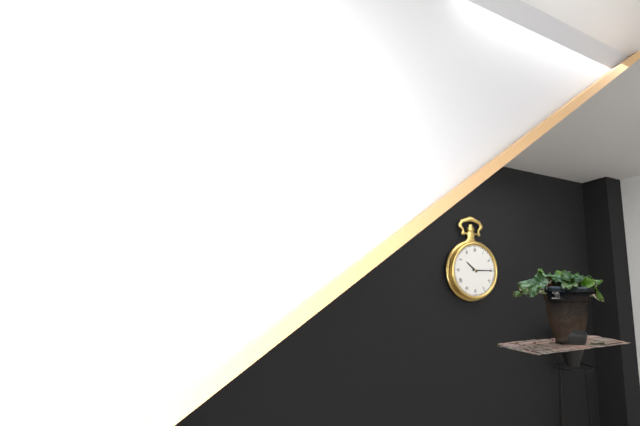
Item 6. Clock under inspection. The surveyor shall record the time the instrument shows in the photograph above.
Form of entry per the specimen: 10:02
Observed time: 10:15
